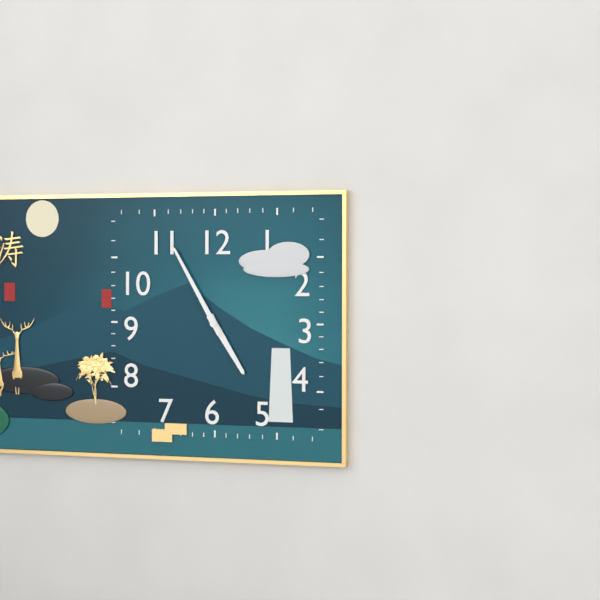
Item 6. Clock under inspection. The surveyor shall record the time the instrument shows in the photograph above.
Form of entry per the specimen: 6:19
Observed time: 4:55
